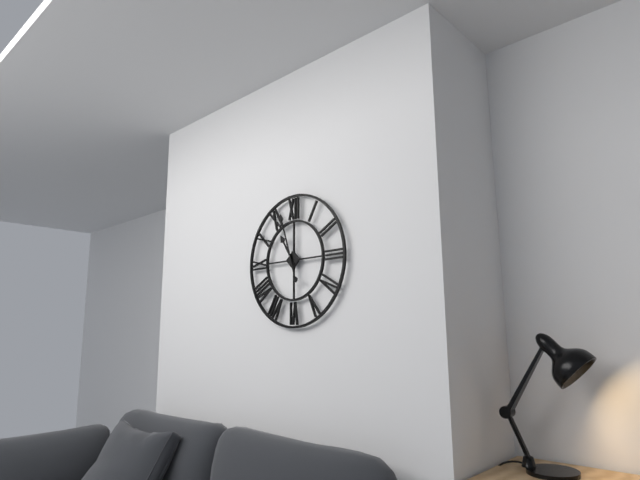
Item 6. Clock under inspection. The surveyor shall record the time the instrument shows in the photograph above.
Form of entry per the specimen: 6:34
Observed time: 10:57
